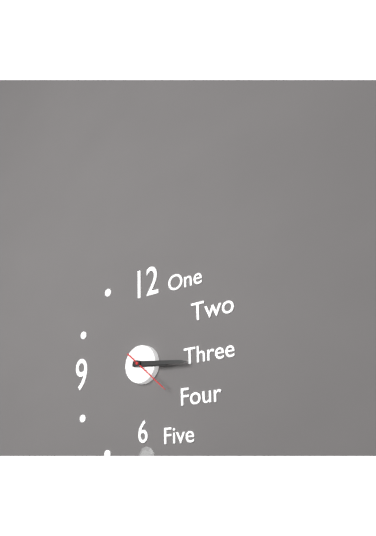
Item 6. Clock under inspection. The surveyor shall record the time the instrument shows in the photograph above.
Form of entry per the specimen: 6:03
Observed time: 3:16
